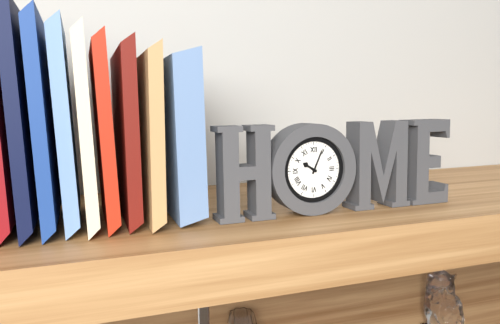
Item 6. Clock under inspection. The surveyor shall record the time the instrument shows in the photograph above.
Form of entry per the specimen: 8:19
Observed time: 10:04
